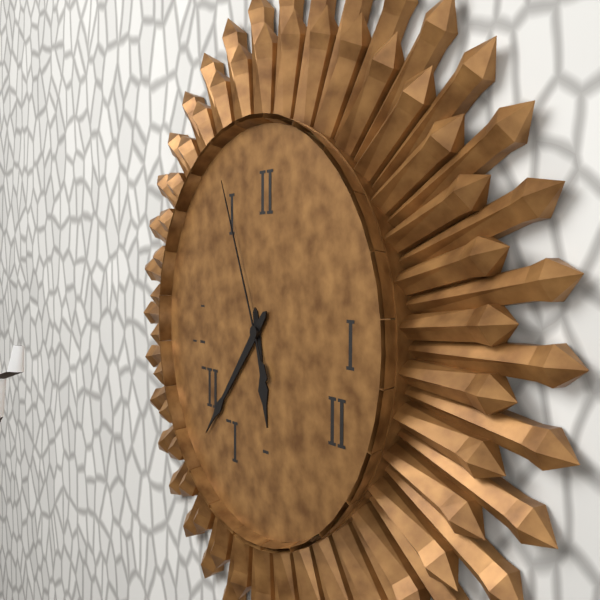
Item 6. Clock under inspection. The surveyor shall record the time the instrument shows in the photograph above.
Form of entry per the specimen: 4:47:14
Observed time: 5:37:56
